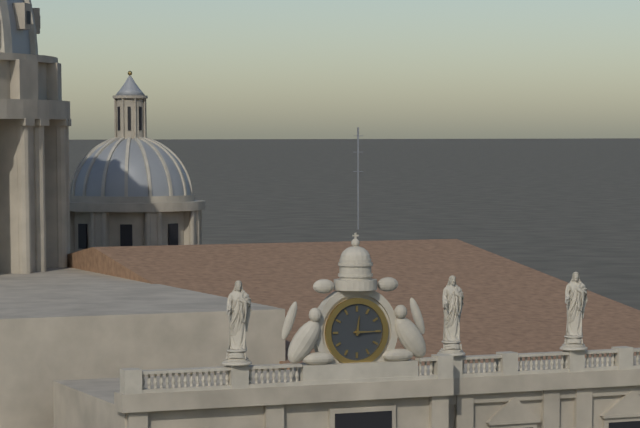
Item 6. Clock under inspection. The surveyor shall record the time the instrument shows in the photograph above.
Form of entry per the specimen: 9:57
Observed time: 12:15
